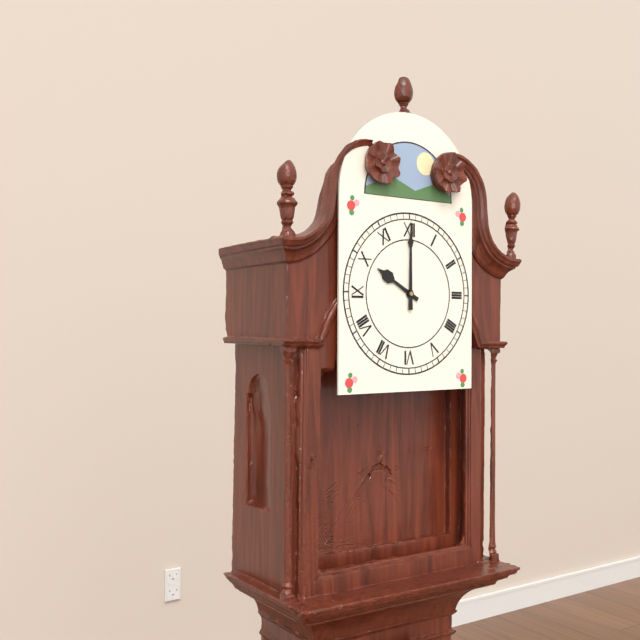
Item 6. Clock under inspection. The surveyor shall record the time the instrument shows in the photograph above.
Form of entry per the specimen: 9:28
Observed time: 10:00
